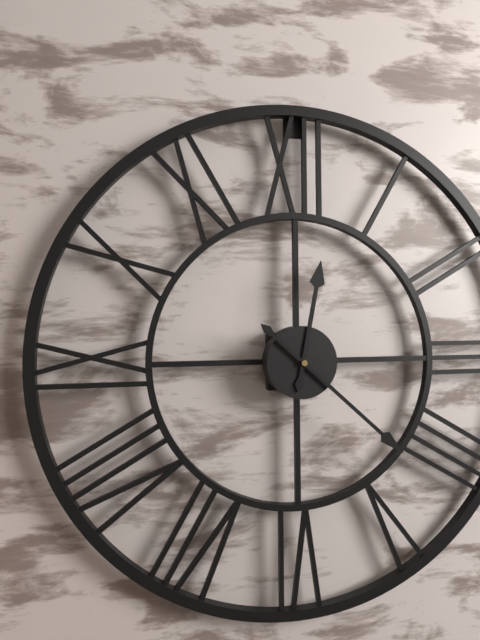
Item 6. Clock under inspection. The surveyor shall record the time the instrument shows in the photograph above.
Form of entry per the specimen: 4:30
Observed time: 12:22
